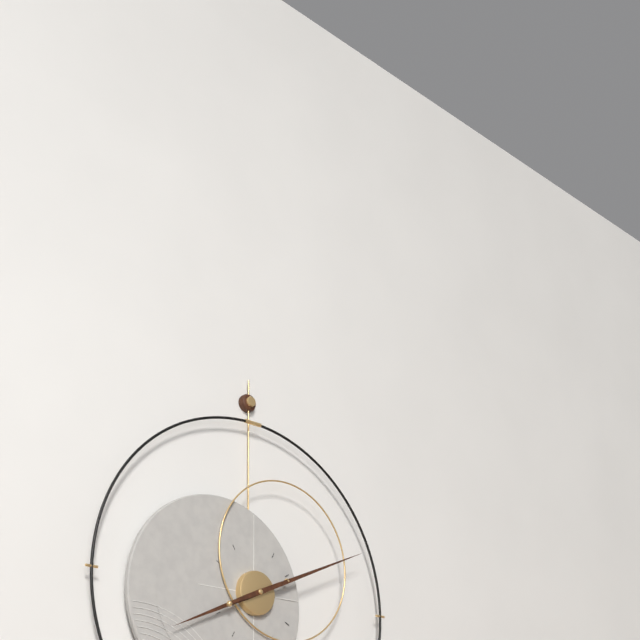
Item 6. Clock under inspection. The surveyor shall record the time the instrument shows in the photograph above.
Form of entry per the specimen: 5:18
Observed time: 8:11
